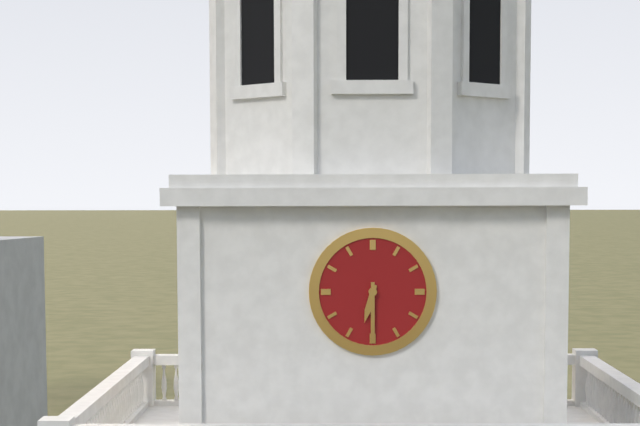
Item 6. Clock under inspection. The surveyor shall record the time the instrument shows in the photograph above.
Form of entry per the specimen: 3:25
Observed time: 6:30
